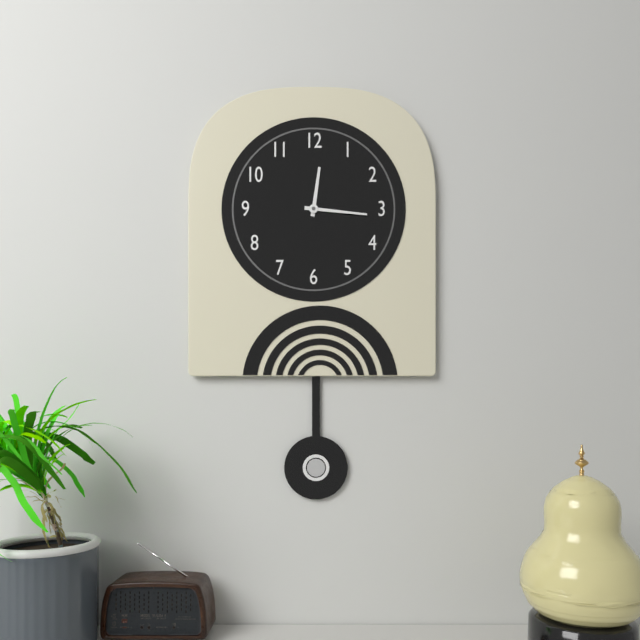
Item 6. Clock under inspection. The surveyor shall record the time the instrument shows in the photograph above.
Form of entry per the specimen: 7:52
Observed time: 12:16
